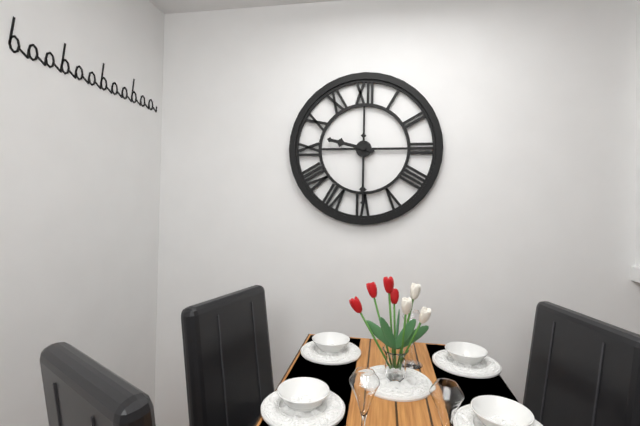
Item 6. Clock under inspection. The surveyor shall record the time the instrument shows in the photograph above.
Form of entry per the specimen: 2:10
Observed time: 9:30
